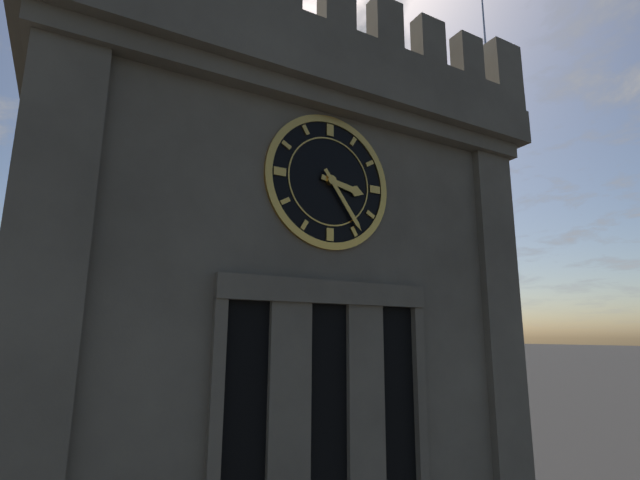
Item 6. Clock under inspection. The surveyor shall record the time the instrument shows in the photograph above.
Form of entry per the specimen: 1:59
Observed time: 3:24
